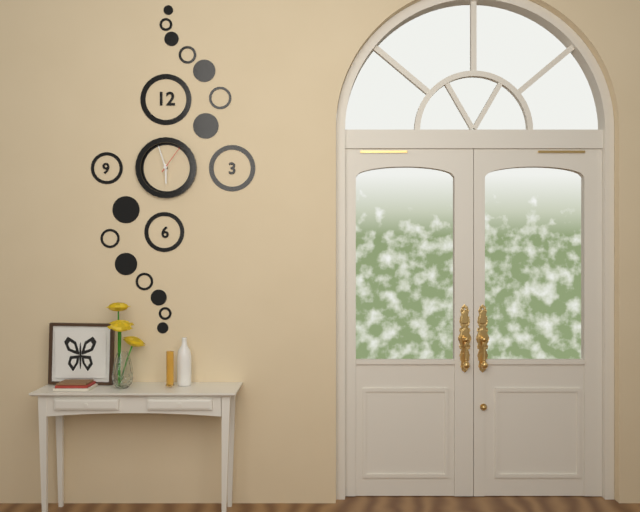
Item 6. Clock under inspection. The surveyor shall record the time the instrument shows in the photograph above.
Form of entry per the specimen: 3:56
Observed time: 5:57
